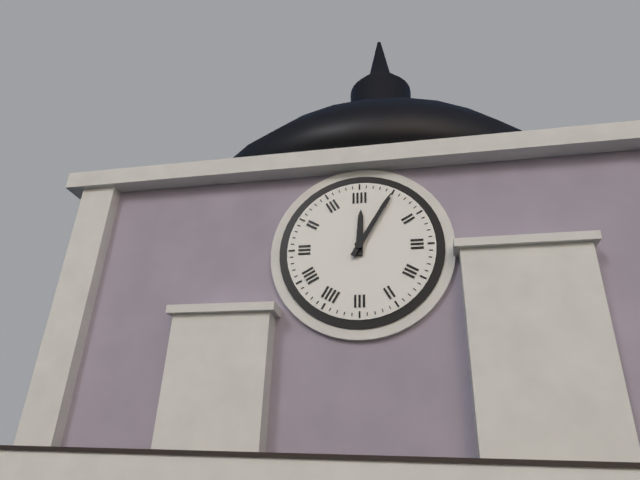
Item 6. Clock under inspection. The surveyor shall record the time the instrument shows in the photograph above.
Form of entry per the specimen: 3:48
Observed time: 12:05
